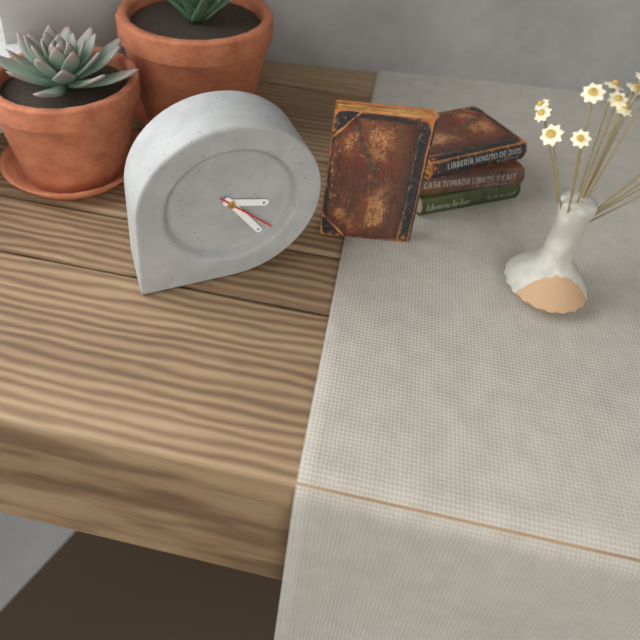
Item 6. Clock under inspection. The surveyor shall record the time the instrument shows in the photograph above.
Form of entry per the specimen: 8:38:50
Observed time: 3:24:22
